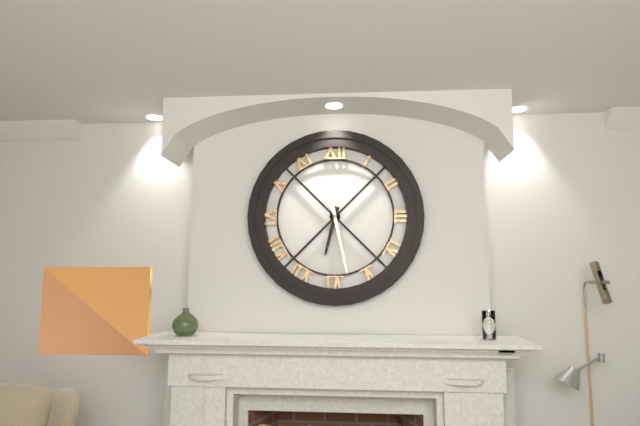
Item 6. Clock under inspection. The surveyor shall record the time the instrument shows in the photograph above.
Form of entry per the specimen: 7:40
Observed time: 6:28
